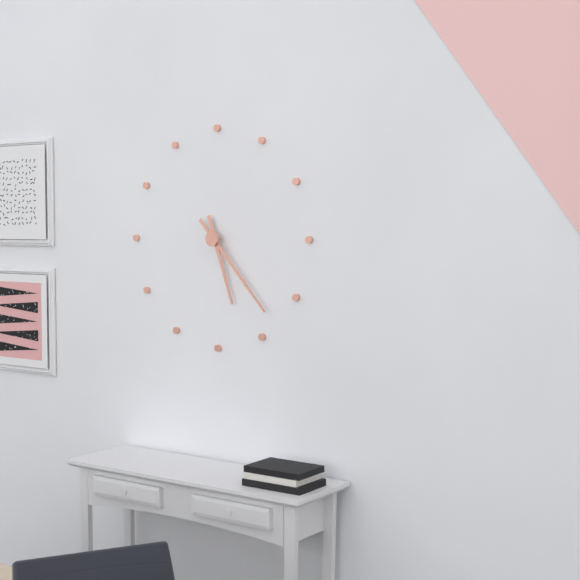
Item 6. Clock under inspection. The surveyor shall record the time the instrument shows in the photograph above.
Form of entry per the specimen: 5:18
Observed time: 5:23
